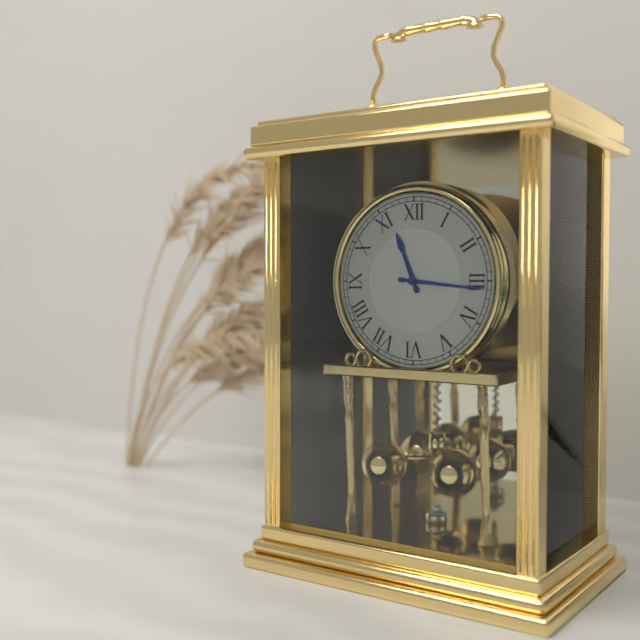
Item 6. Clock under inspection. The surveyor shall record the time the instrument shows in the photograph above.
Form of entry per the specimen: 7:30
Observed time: 11:16
